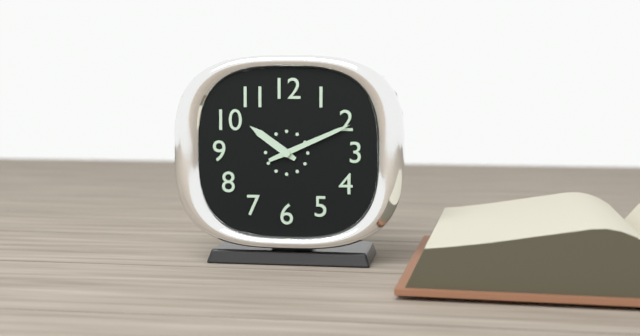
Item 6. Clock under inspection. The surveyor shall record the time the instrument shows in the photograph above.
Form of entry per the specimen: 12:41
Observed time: 10:11
